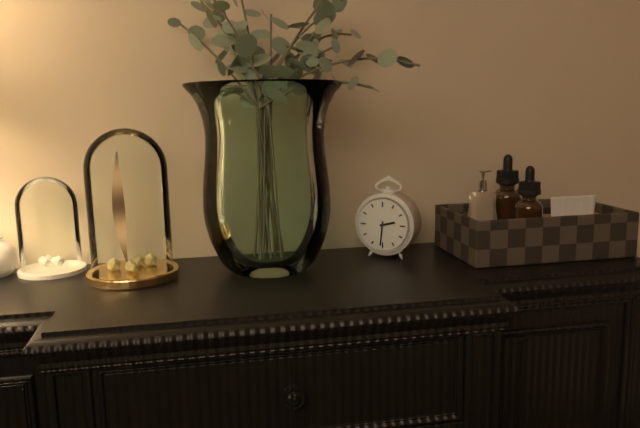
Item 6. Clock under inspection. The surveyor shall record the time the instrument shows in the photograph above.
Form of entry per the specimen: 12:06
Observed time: 2:31
